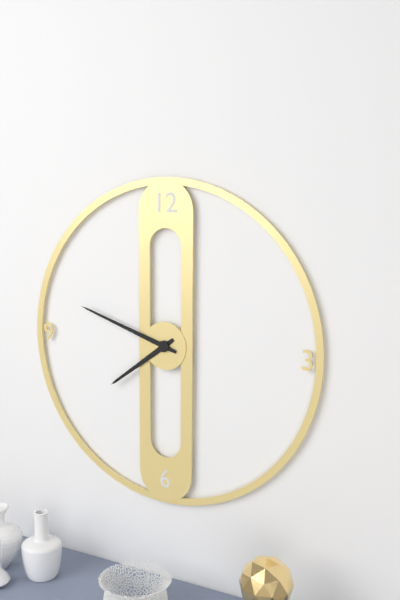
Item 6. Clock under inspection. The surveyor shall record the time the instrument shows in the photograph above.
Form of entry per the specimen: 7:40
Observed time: 7:48
